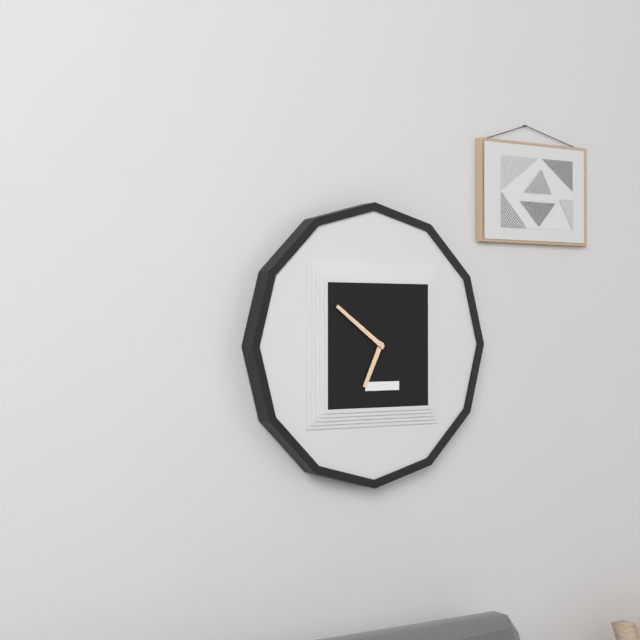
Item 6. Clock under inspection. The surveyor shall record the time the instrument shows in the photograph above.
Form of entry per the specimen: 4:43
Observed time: 6:51
